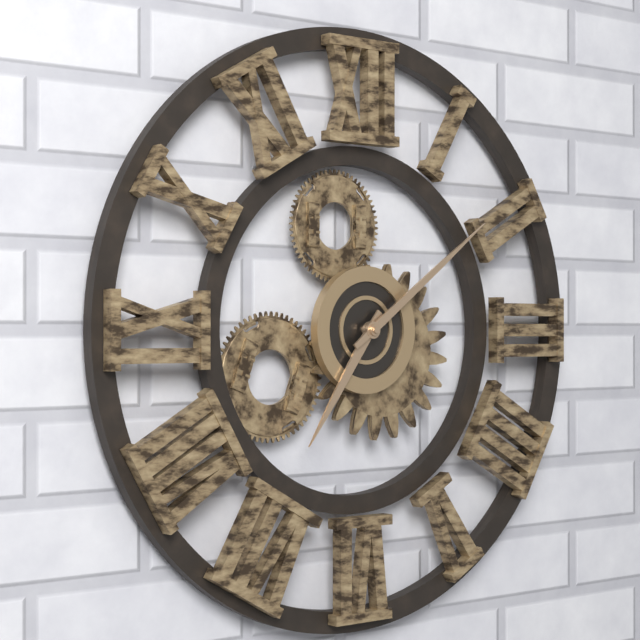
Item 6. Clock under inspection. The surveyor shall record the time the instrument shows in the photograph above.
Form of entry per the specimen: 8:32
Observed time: 7:09
